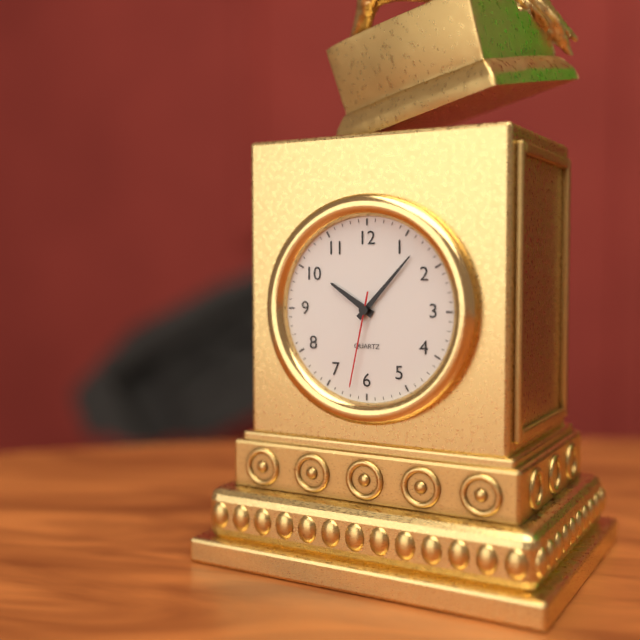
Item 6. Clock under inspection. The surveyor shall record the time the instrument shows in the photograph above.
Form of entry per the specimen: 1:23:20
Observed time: 10:07:32
